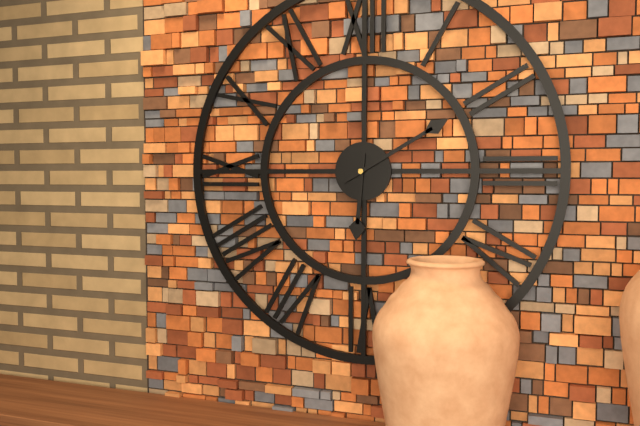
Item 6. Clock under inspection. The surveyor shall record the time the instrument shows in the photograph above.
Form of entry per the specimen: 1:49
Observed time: 6:10
